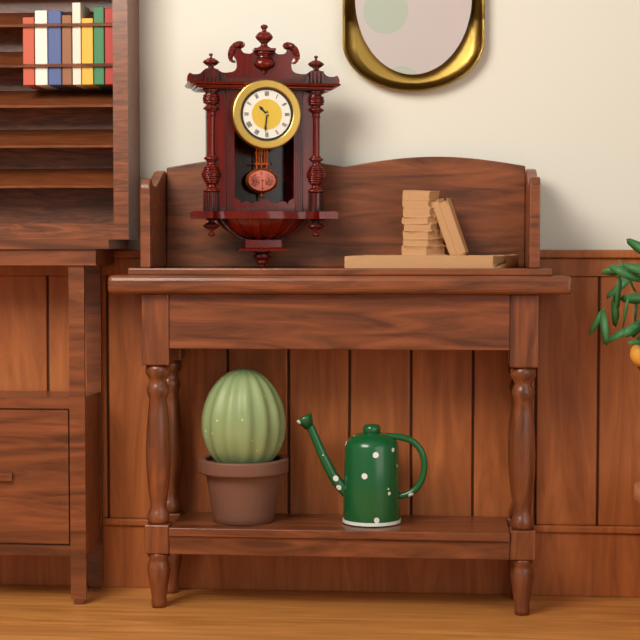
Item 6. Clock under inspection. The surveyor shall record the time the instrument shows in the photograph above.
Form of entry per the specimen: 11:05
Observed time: 10:31
